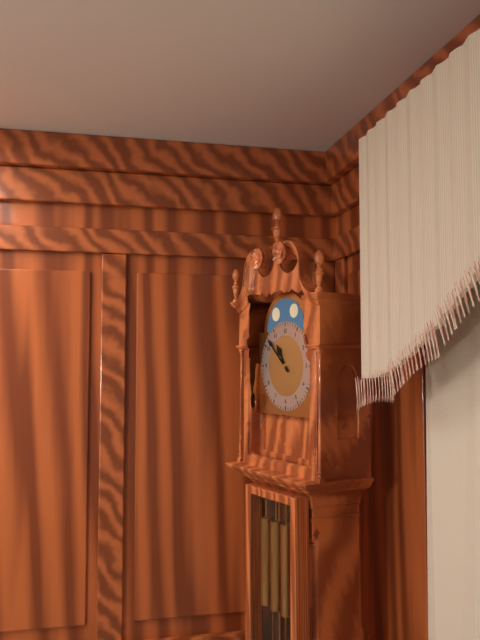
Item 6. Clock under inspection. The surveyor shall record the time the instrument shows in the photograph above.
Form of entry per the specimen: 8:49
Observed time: 10:52
